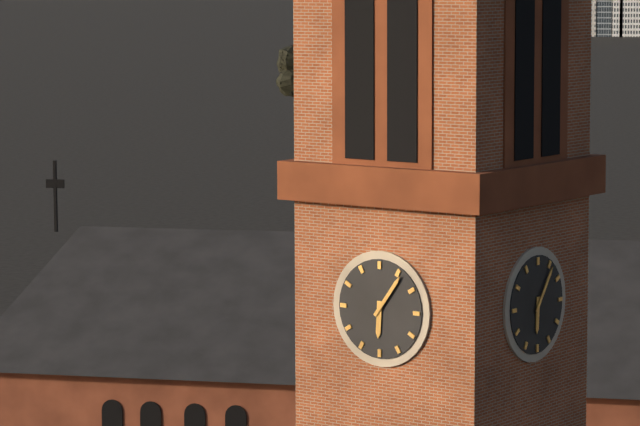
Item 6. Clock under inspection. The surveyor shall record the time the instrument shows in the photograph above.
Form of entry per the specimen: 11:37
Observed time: 6:06
